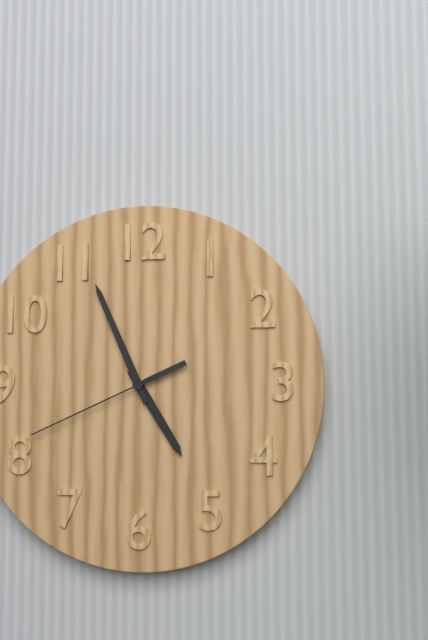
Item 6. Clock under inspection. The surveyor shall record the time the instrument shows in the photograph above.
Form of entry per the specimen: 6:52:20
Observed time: 4:56:41
